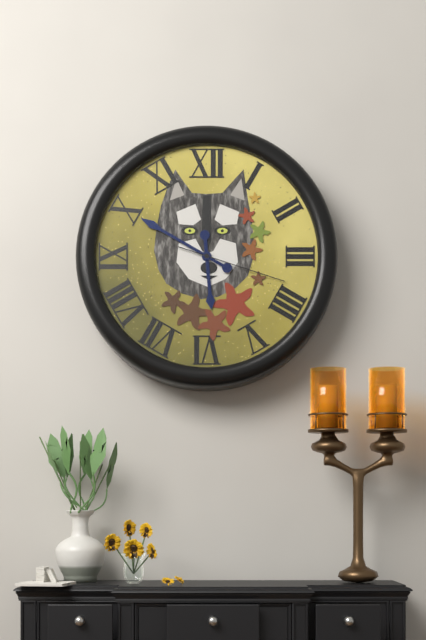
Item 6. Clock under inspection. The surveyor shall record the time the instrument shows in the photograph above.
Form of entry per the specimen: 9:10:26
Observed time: 5:50:18
